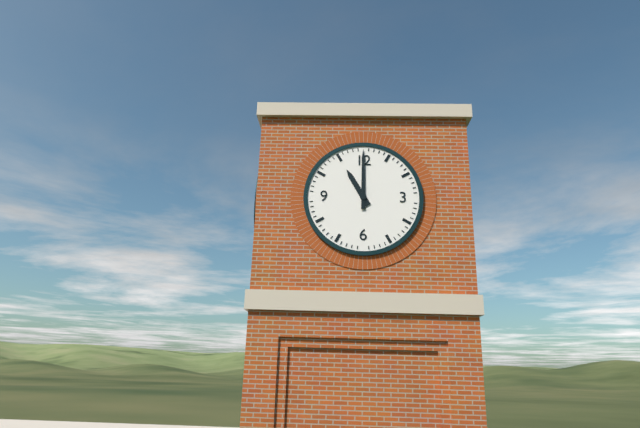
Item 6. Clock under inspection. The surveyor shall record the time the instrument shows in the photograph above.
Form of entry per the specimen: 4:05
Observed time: 11:00
